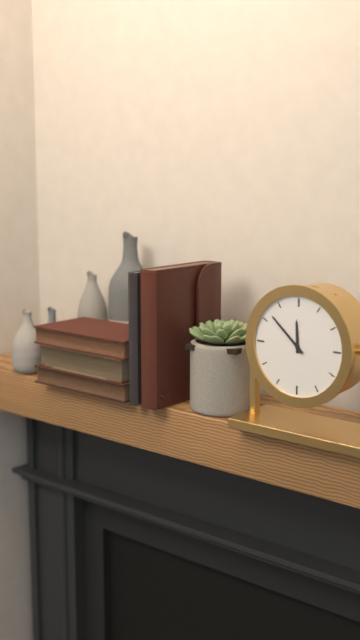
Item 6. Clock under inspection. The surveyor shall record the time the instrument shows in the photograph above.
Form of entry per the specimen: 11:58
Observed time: 11:52
